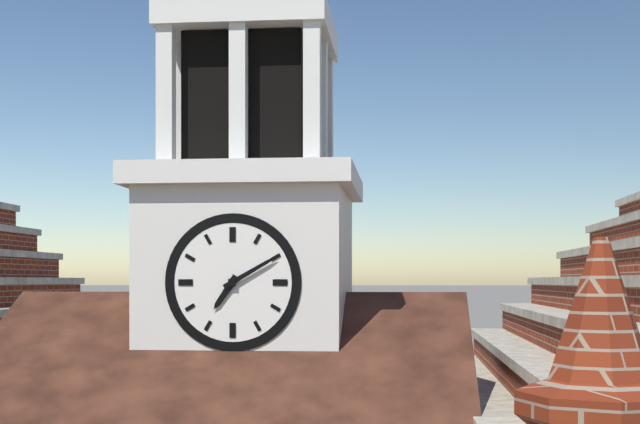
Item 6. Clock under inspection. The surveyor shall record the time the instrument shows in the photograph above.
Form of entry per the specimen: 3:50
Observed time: 7:10
